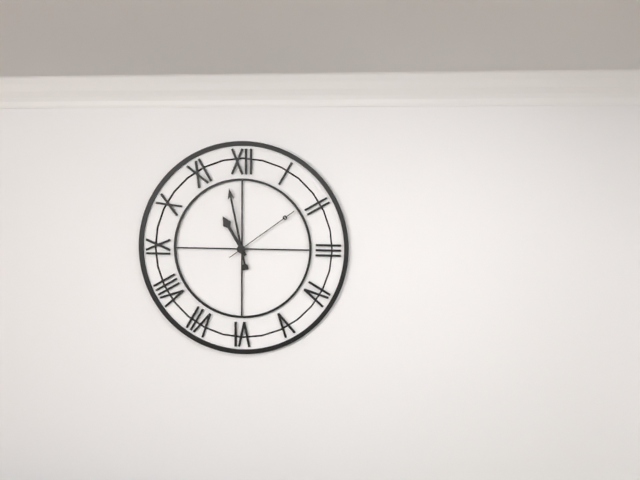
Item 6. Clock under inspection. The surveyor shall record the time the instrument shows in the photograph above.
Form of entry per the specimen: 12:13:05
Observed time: 10:58:09
